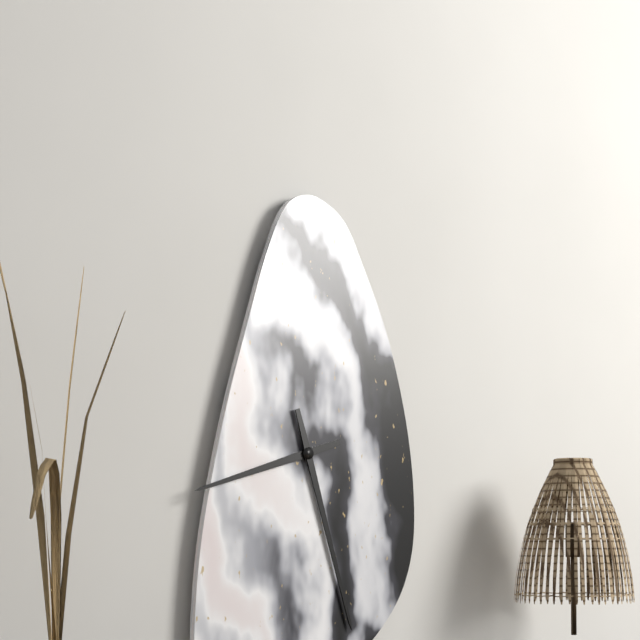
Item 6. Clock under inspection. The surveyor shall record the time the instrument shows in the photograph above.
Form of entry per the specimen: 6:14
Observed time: 8:27
